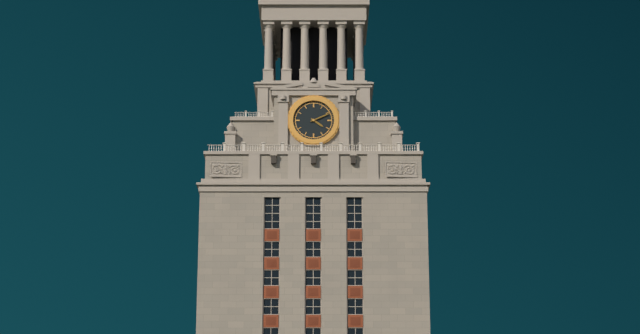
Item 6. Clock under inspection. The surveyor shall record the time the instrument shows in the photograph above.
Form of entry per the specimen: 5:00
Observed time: 4:11
